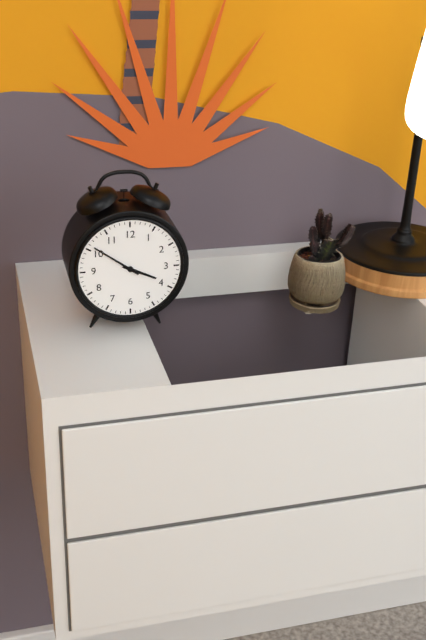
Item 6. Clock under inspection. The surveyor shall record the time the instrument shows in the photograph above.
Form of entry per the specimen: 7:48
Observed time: 3:51
